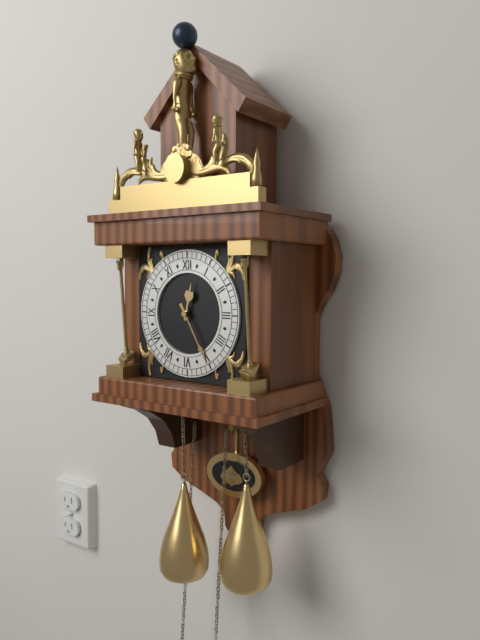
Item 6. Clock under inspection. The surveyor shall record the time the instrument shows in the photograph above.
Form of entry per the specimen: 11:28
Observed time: 12:25
